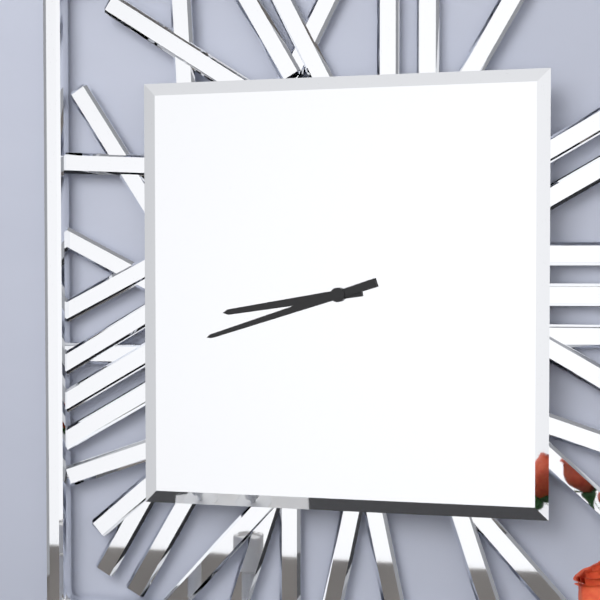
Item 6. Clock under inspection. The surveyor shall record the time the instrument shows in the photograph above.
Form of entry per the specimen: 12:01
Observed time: 8:42
